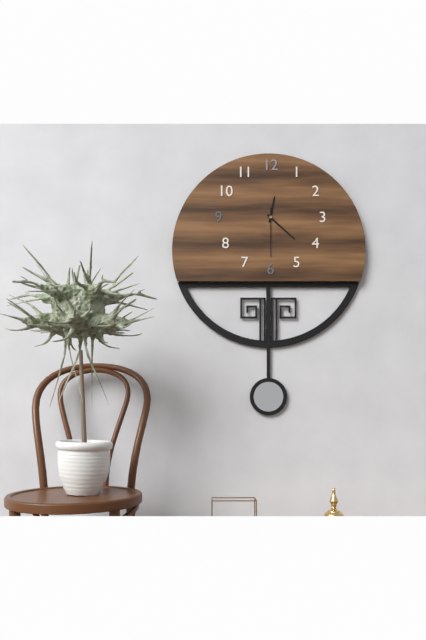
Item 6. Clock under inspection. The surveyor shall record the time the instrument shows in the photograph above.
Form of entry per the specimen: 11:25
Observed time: 12:22
